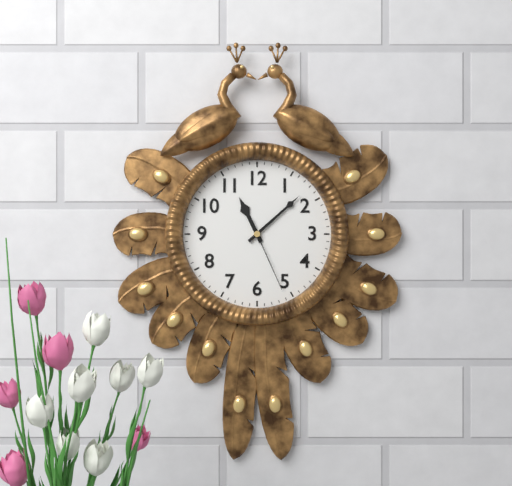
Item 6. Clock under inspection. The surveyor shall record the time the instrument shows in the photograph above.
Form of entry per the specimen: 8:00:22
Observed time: 11:08:26
